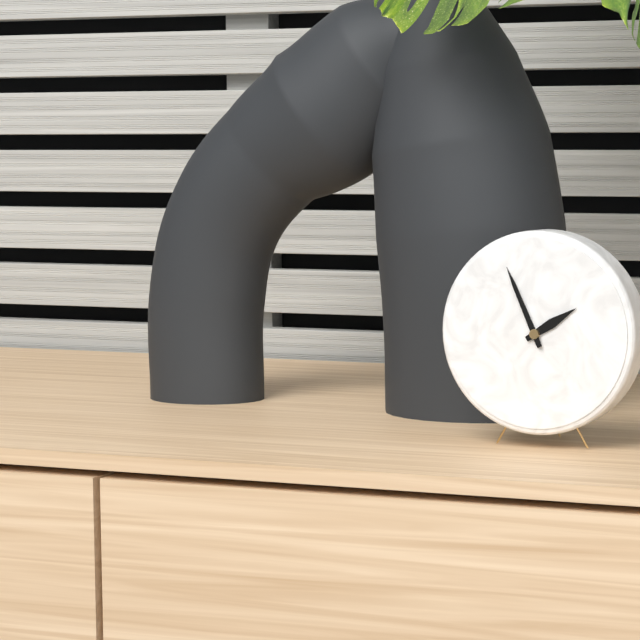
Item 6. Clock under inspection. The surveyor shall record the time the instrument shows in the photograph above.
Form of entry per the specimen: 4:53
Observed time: 1:56
